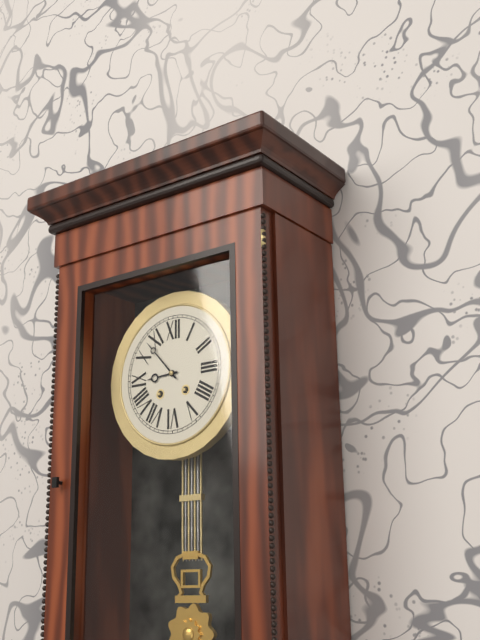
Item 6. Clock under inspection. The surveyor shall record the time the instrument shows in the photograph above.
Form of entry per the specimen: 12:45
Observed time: 8:53
